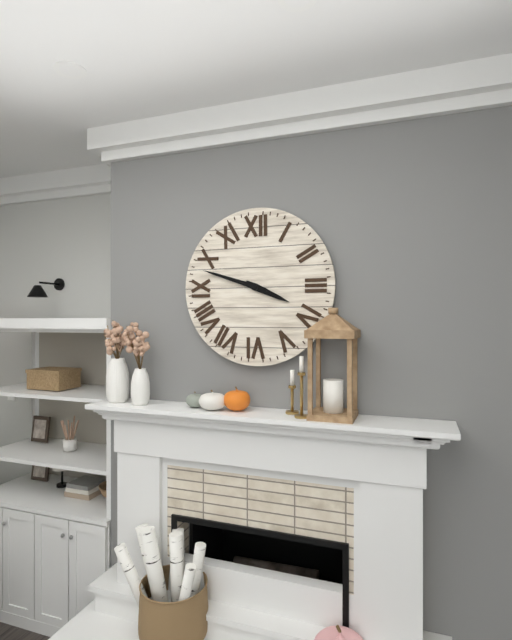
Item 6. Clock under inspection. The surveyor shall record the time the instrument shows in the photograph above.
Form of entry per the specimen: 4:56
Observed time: 3:48
